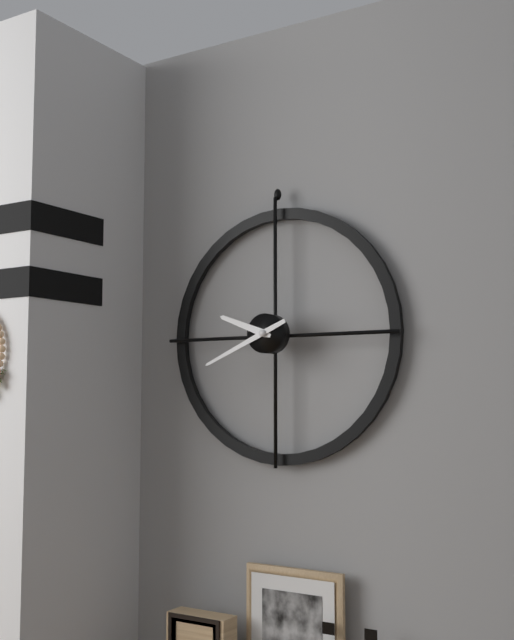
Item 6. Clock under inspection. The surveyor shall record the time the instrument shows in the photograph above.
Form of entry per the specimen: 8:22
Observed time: 9:41
